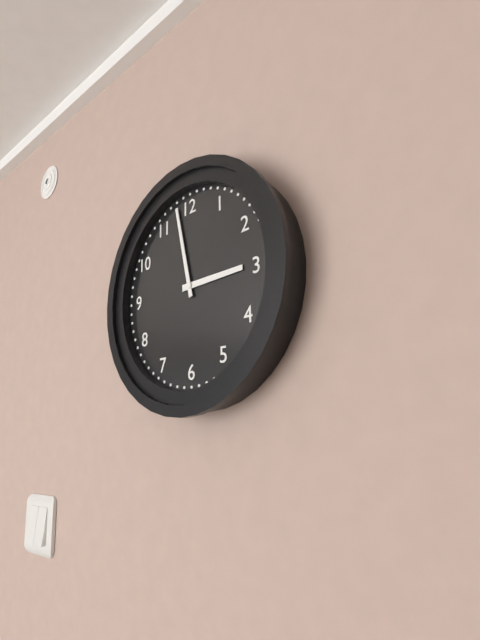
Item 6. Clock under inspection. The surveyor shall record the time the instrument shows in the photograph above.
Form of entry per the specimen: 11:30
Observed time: 2:58
